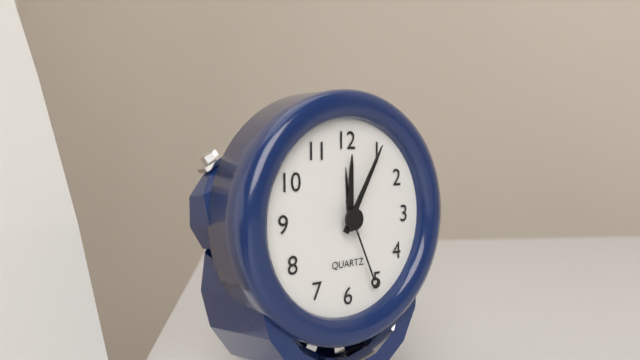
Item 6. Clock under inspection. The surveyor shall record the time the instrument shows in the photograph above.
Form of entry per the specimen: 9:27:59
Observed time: 12:05:26
